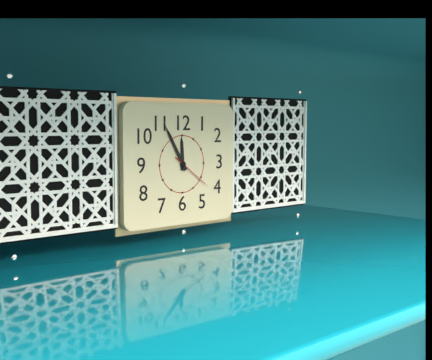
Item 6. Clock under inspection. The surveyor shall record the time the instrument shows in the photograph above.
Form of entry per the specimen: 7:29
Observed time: 11:55
